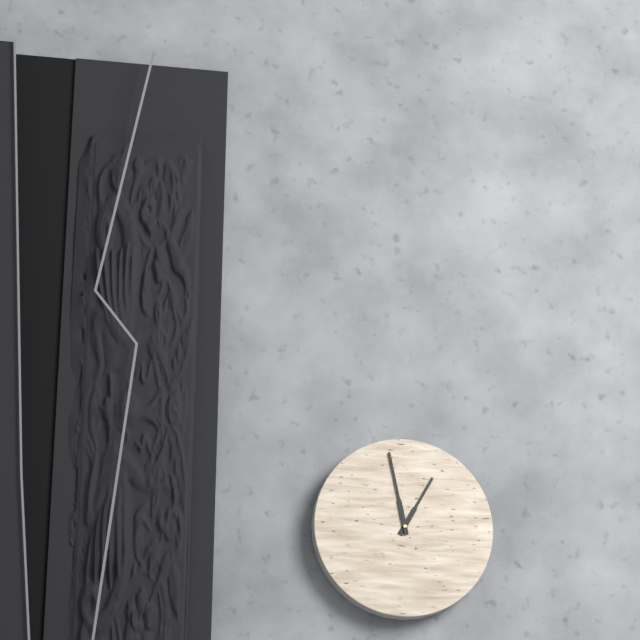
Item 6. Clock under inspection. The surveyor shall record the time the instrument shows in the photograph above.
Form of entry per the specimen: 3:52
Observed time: 12:58
